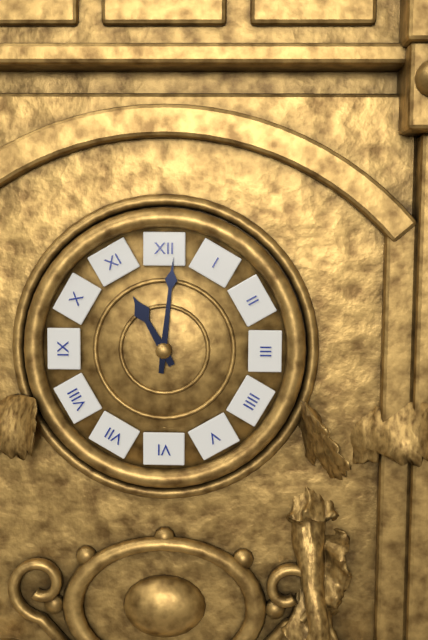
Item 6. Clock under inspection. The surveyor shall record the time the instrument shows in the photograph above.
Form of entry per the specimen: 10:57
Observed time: 11:01
